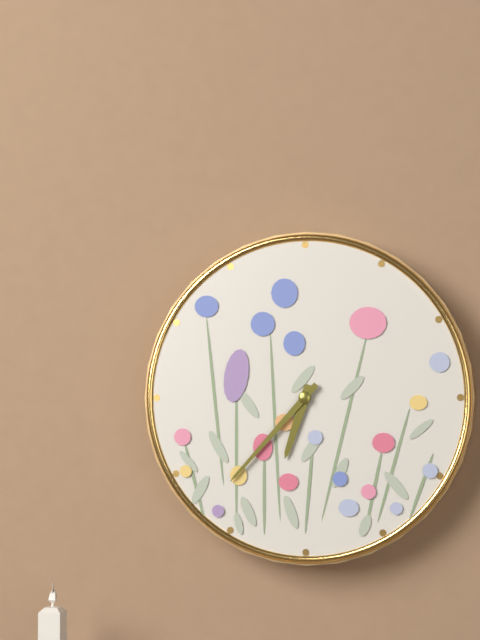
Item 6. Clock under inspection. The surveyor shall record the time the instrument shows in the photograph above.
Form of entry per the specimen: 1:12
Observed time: 6:37
